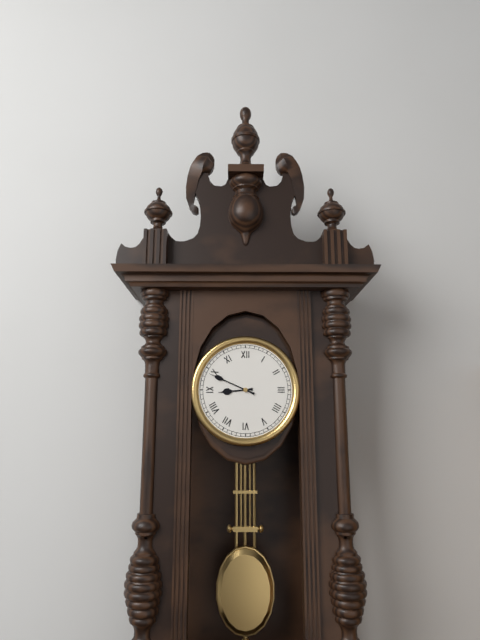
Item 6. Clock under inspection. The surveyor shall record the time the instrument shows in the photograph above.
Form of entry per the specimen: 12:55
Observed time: 8:49
